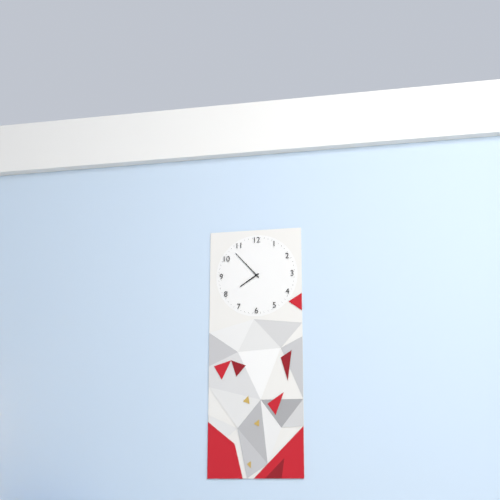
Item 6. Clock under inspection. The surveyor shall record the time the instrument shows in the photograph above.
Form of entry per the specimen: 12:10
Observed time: 7:53
